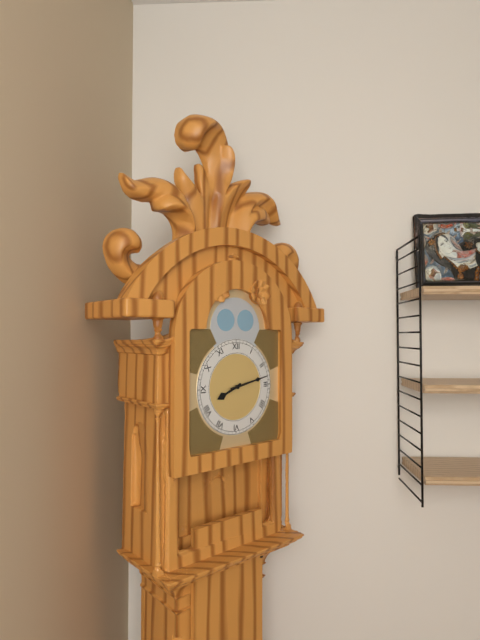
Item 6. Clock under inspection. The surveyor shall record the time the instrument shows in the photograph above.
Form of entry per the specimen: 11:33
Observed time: 8:13
